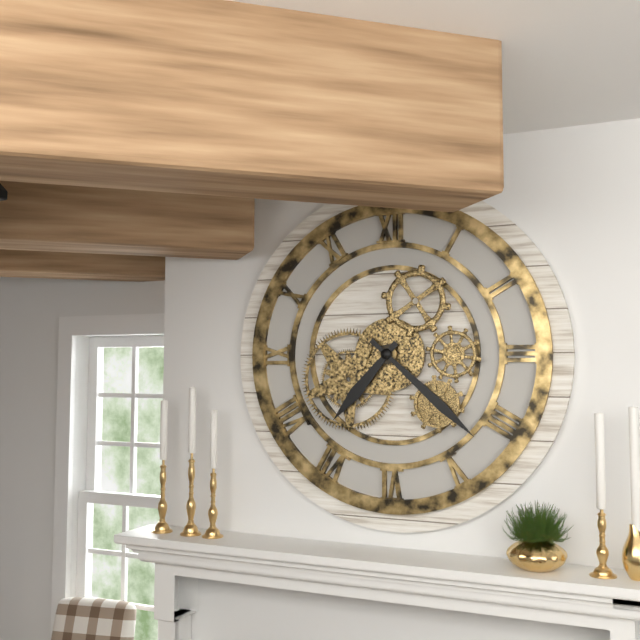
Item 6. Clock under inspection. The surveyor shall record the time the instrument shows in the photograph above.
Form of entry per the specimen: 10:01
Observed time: 7:22
